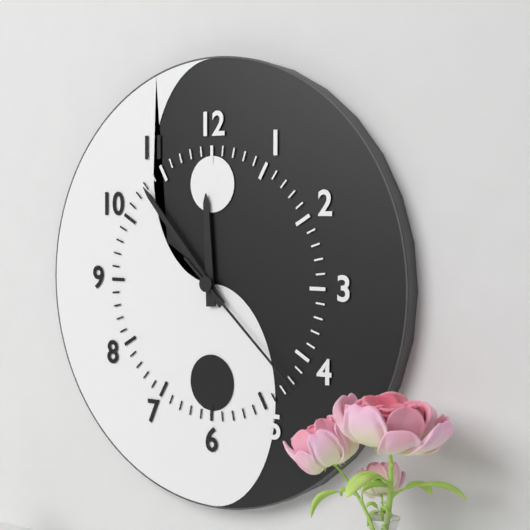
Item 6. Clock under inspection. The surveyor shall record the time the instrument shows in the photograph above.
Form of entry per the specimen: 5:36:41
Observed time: 11:53:22
